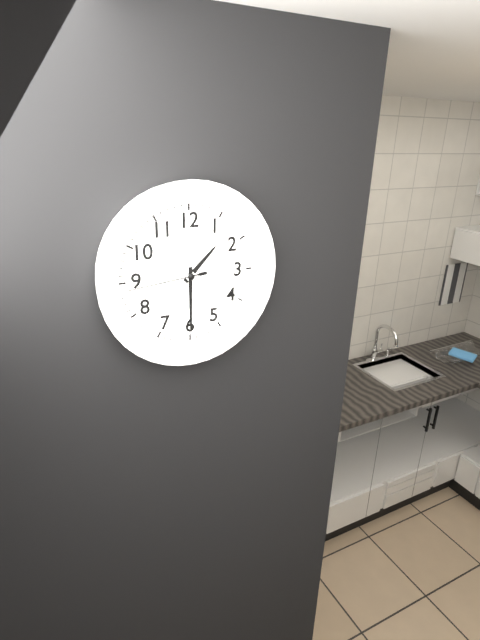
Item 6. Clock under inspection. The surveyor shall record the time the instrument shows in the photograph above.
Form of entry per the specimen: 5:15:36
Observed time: 1:30:44
